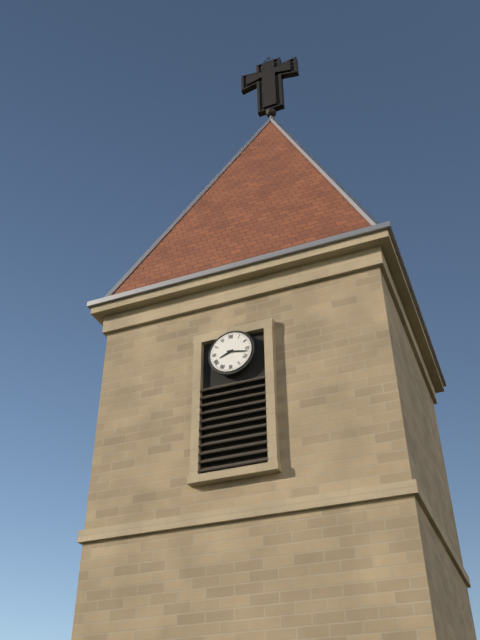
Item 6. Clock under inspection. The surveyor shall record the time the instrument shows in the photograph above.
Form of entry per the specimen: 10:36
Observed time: 8:17
